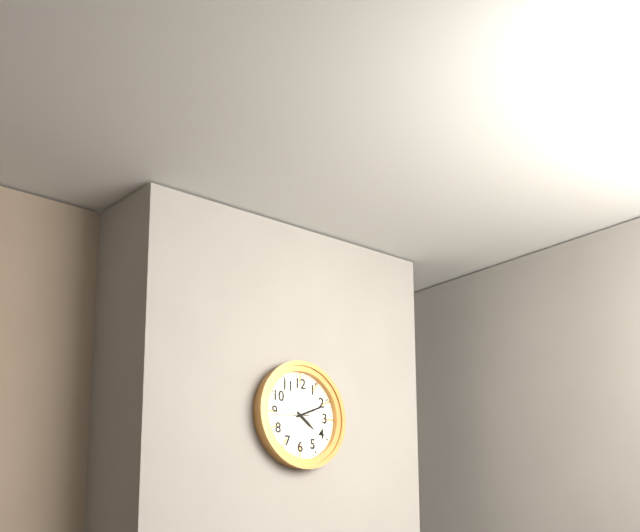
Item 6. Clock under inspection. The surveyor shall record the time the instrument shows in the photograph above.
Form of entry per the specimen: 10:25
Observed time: 4:11
